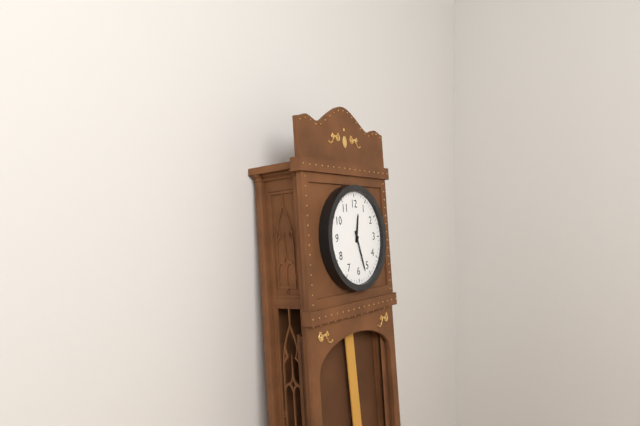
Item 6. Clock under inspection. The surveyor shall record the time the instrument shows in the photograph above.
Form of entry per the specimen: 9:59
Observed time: 12:27
